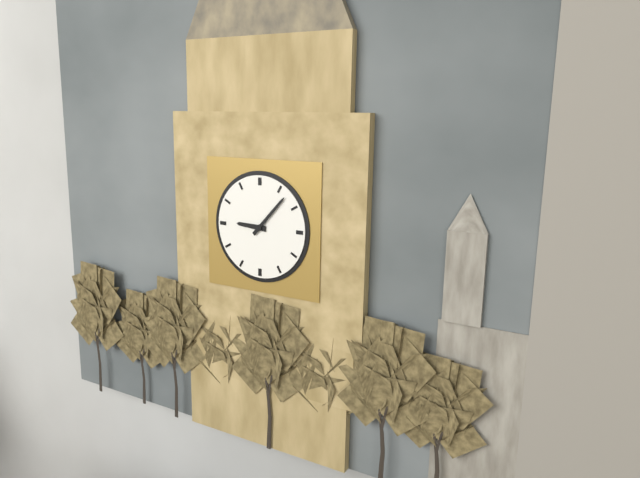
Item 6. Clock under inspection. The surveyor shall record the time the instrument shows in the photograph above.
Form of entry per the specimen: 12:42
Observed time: 9:07
